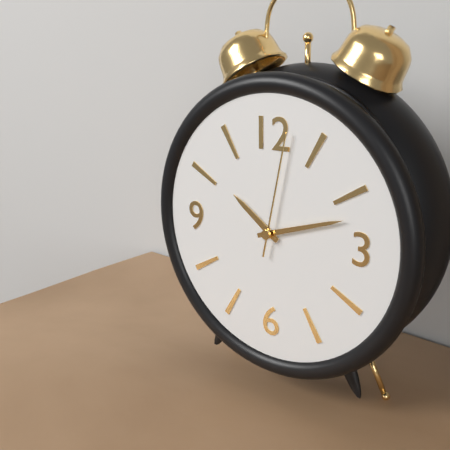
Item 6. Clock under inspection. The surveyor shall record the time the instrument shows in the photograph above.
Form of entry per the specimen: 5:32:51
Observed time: 10:12:02
